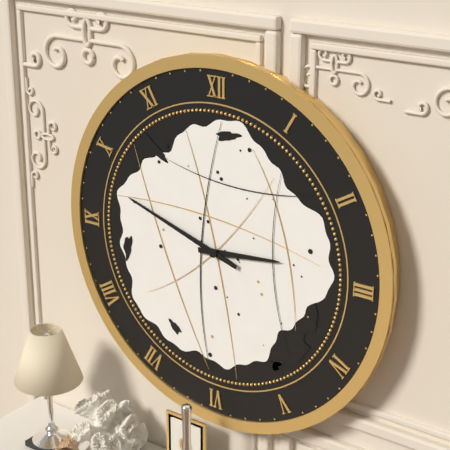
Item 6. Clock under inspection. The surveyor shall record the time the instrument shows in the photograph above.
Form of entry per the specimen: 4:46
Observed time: 2:48
